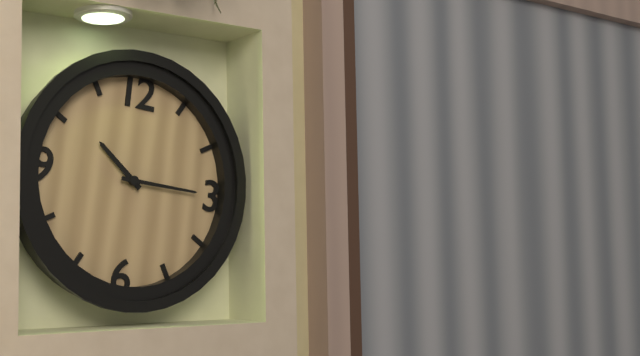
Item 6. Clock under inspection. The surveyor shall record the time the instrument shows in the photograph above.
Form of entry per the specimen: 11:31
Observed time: 10:15
